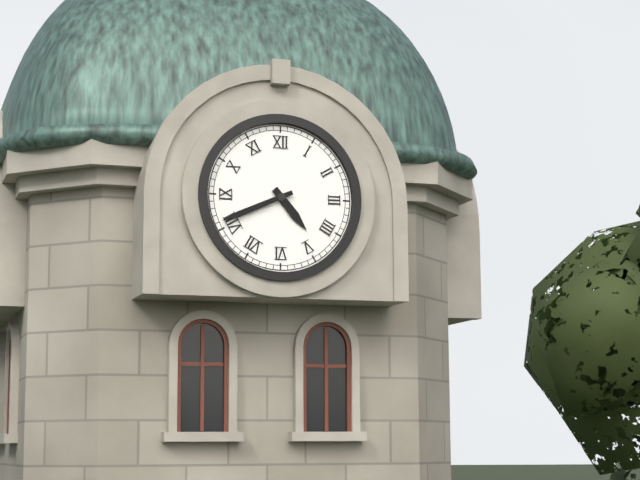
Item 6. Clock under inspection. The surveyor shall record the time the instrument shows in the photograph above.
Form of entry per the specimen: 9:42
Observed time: 4:41
